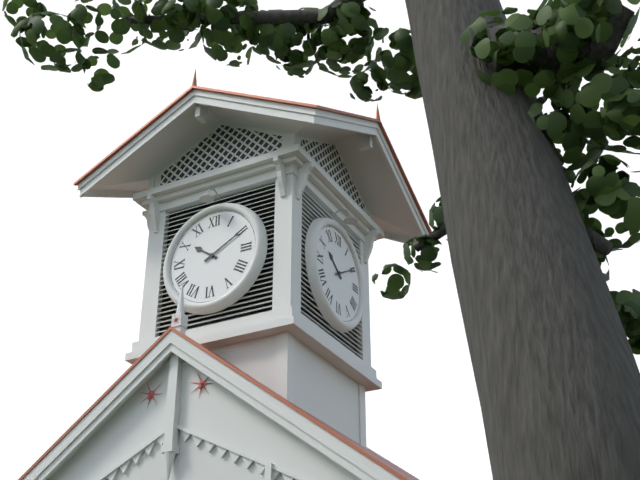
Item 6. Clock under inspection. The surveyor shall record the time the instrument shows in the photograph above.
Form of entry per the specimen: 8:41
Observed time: 10:10
